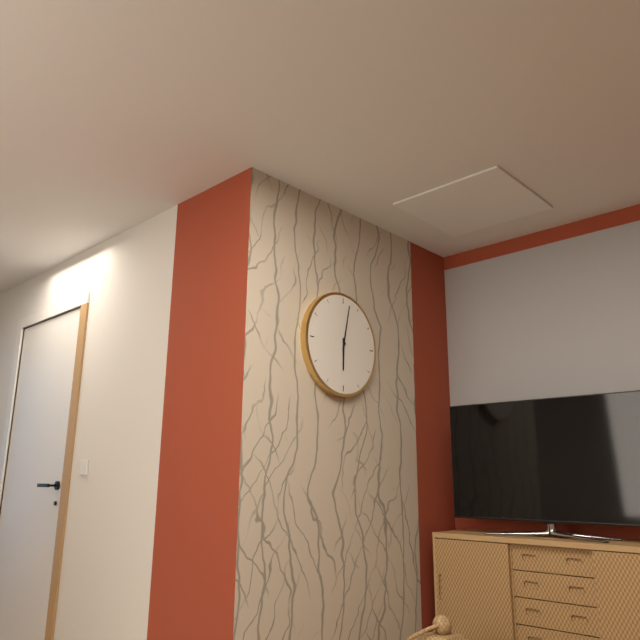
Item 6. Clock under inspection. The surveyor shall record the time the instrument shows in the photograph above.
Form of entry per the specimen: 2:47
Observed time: 6:02
